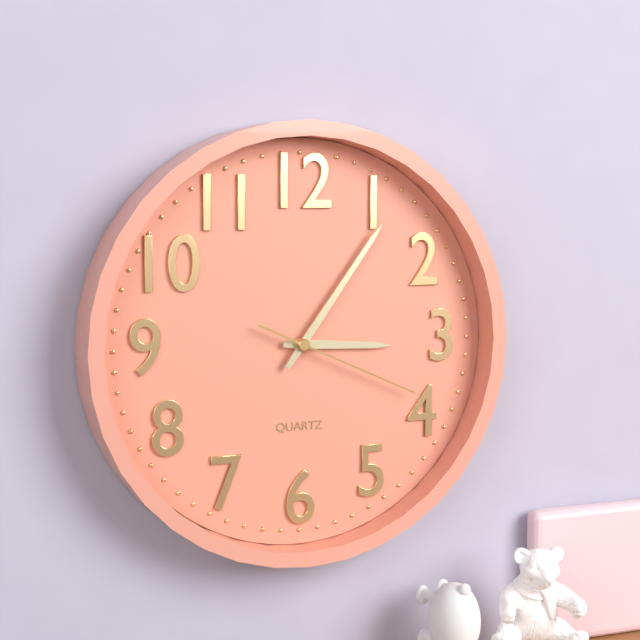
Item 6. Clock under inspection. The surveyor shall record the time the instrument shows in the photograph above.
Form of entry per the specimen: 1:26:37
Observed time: 3:06:19
